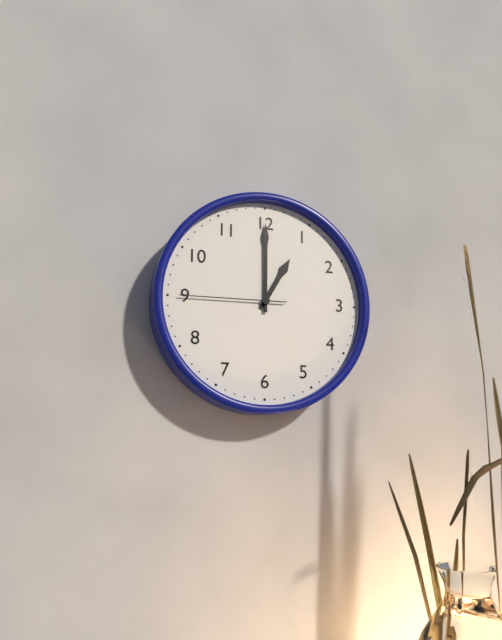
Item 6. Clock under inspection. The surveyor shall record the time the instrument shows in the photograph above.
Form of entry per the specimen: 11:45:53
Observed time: 1:00:45
